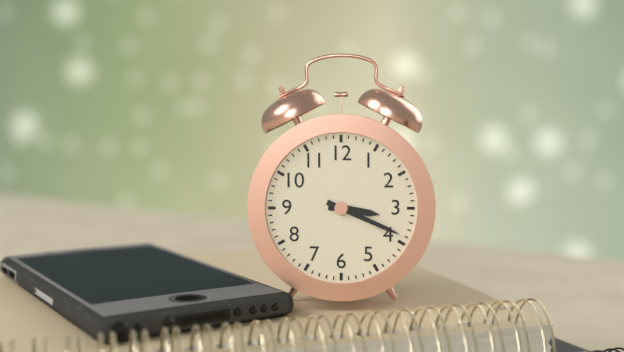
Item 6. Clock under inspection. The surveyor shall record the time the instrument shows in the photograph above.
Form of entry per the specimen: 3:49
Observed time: 3:19
